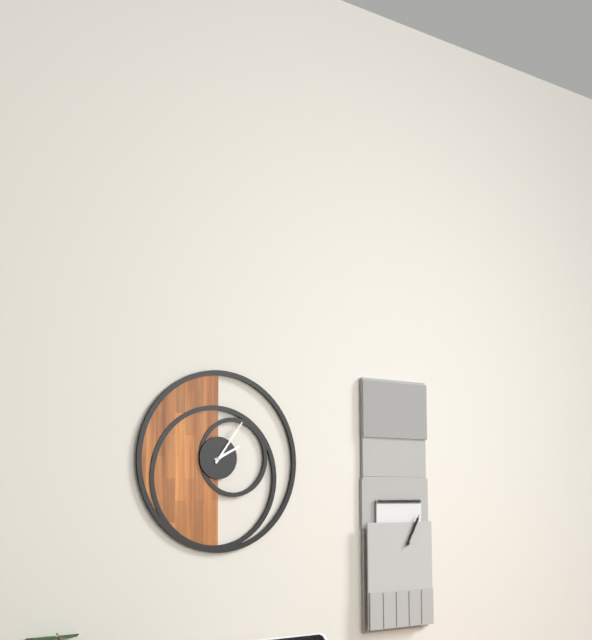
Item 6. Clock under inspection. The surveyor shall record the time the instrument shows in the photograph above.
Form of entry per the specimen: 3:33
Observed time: 2:06
